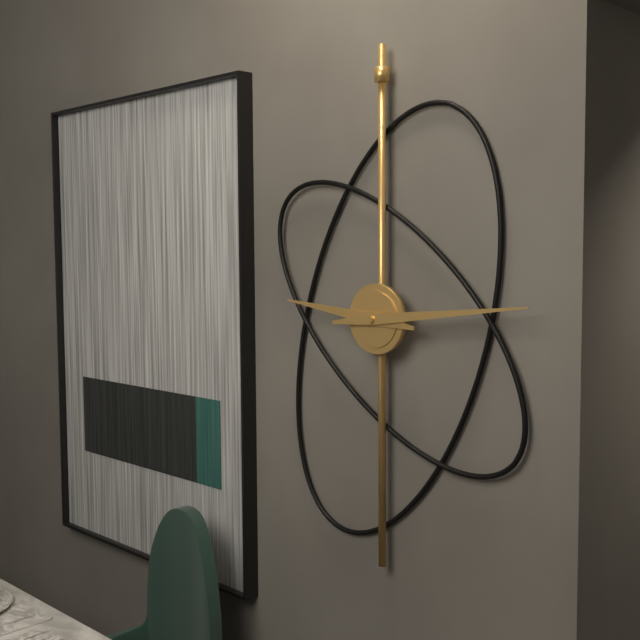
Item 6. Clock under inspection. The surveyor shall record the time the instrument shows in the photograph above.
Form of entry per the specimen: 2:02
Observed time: 9:14
